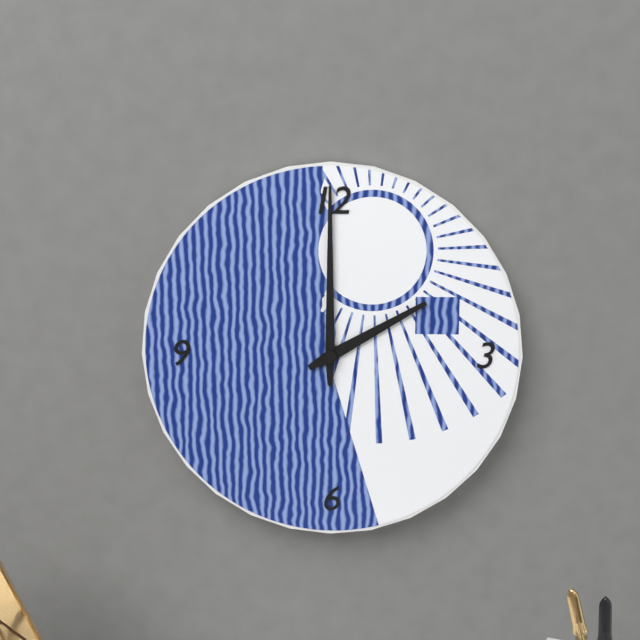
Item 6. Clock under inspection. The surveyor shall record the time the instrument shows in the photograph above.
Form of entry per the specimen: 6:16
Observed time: 2:00
